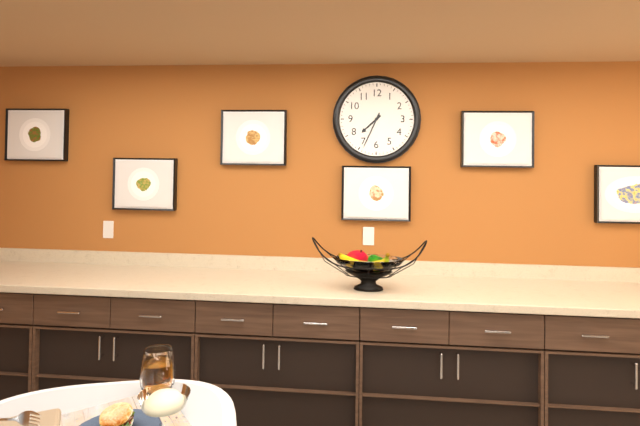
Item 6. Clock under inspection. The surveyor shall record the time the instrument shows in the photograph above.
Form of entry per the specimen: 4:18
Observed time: 7:34
